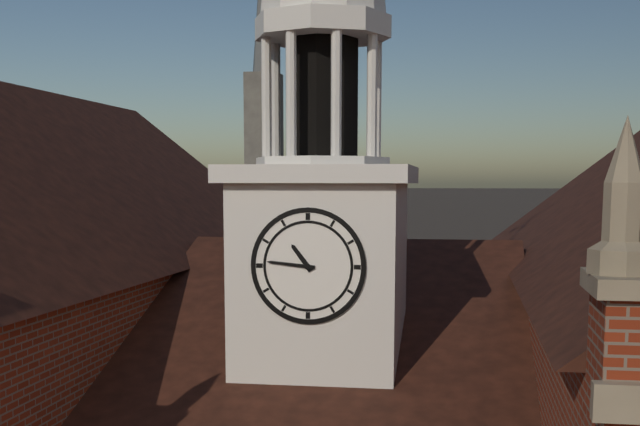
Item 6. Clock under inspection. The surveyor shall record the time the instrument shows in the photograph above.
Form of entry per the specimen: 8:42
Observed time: 10:46
